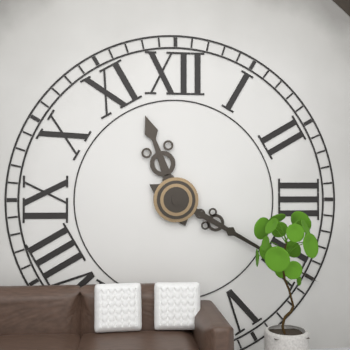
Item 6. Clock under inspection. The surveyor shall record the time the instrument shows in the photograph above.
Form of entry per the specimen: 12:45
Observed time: 11:20
